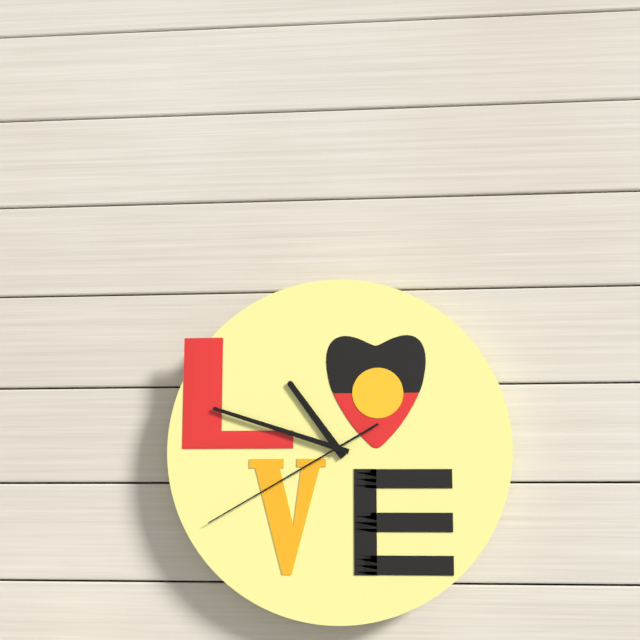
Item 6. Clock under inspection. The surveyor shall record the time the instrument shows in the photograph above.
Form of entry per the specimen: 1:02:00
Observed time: 10:48:40
